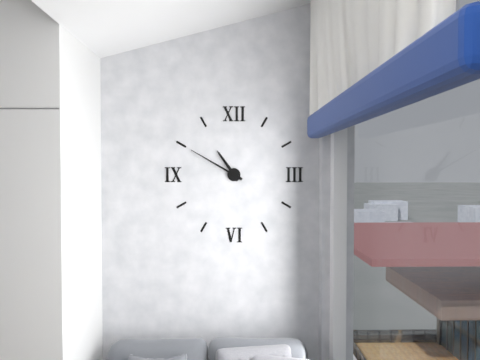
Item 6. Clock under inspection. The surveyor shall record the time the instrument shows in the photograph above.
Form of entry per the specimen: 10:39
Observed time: 10:50
